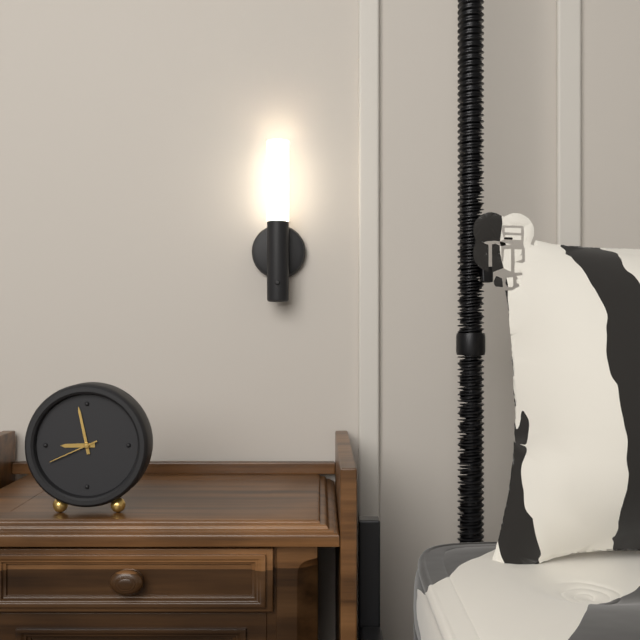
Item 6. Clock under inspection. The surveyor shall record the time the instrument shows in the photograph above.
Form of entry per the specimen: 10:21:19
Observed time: 8:58:41
